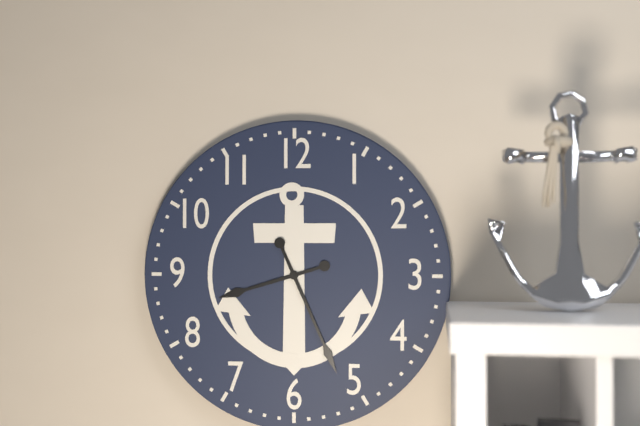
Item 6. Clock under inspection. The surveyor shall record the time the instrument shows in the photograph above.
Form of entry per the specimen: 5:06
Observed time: 8:26
